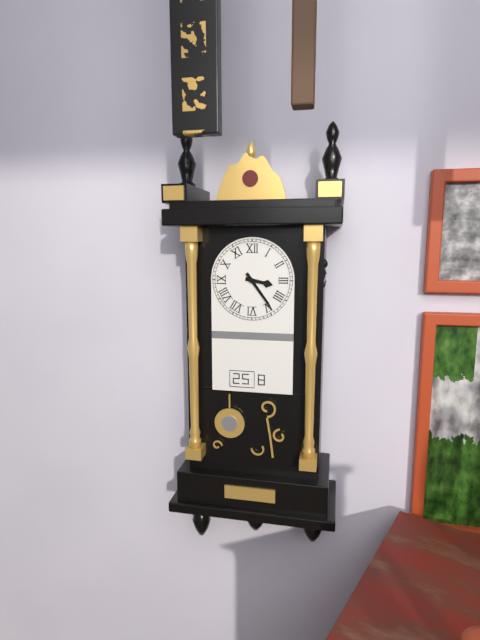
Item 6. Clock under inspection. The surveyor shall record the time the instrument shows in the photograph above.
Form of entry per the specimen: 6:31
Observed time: 3:24
